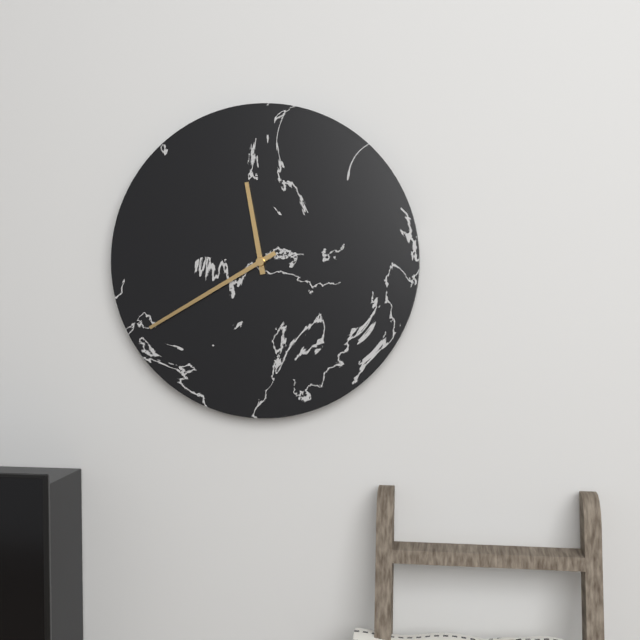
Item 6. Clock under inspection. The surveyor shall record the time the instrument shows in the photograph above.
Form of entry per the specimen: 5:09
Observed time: 11:40
